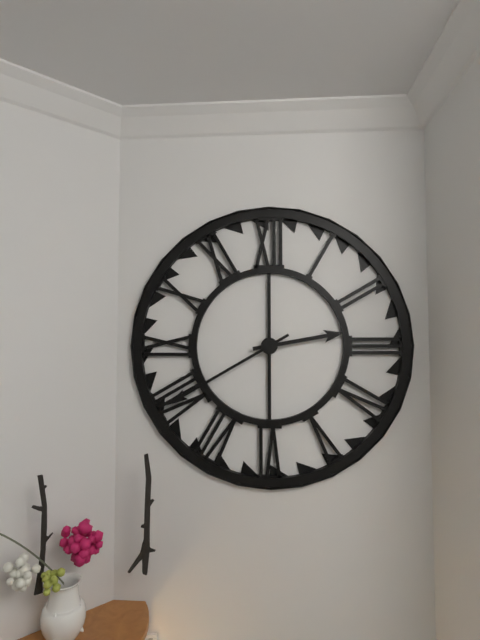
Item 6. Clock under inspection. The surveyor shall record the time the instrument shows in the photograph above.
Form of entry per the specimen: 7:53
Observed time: 2:40
